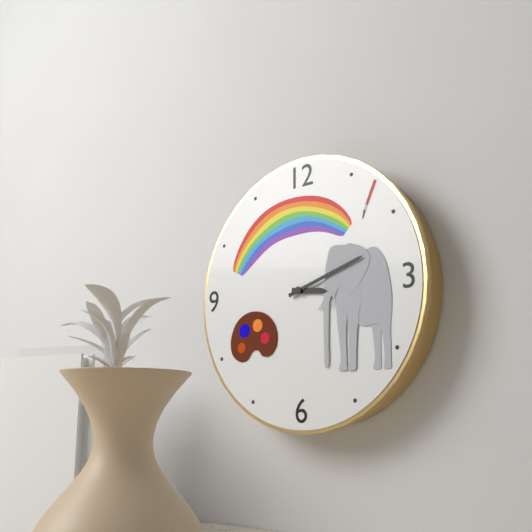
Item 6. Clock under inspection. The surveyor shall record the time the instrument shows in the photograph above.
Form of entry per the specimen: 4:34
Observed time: 3:12
